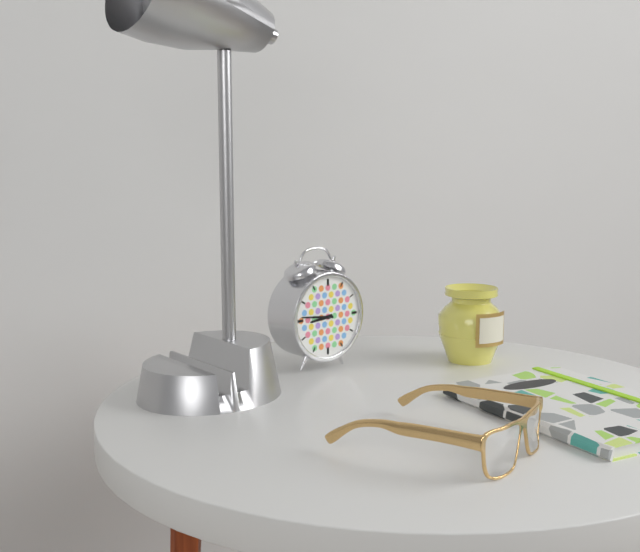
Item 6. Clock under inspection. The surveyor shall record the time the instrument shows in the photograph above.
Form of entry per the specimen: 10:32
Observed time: 8:46
